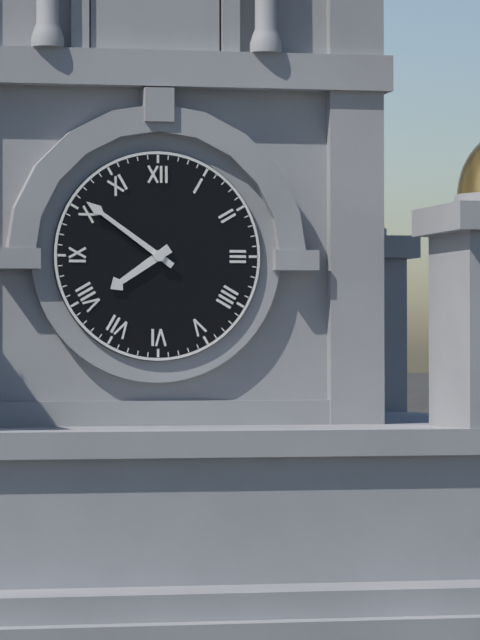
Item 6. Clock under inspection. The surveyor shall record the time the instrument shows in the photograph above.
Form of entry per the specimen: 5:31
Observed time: 7:51
